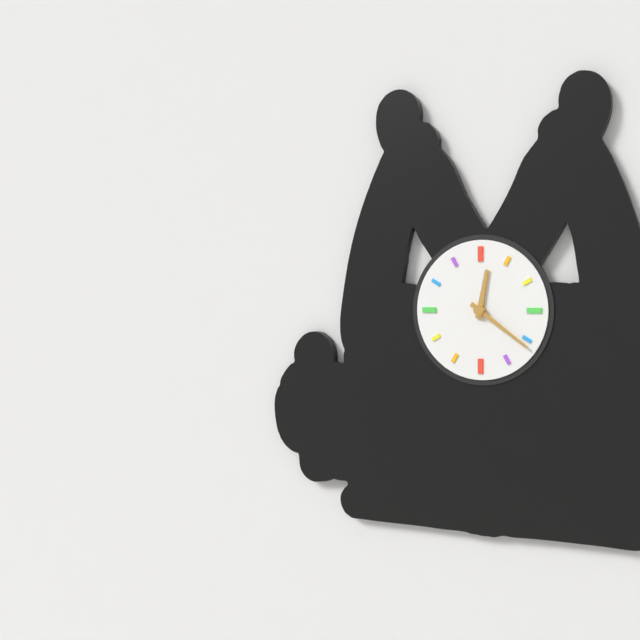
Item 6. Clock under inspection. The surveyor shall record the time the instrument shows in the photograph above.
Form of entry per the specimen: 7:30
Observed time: 12:21
